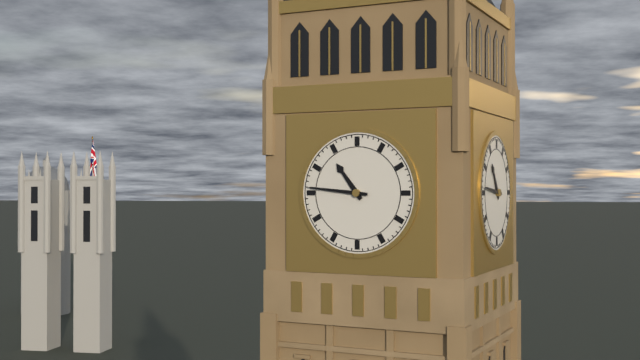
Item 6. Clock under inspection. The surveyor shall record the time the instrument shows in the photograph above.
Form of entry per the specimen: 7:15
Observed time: 10:46
